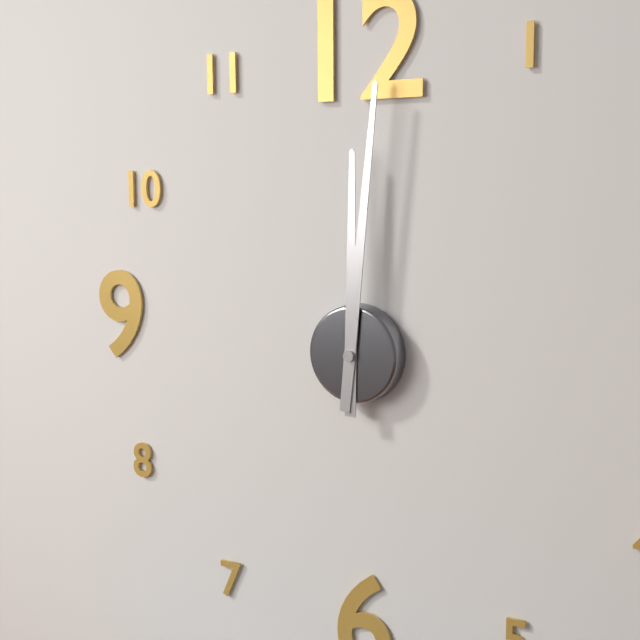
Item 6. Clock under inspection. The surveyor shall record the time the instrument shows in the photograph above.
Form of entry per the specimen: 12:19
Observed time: 12:01
